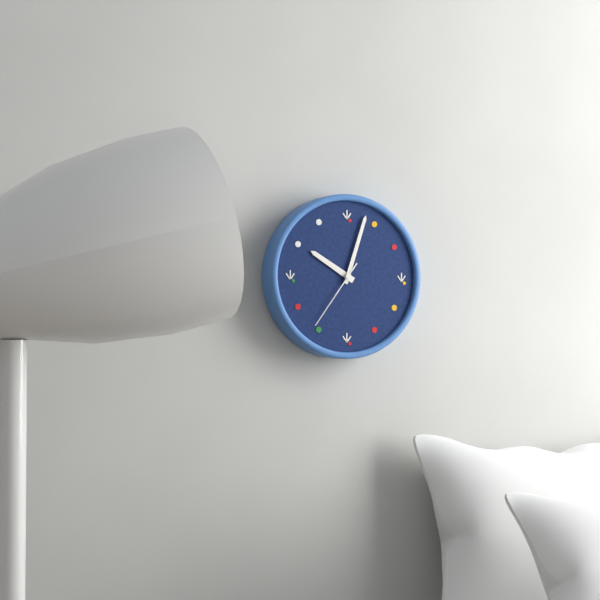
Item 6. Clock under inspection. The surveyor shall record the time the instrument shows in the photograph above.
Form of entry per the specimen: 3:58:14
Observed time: 10:03:36
